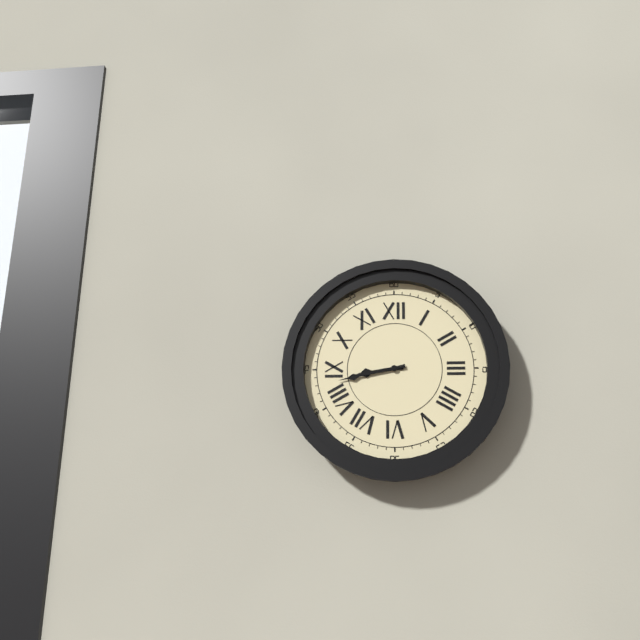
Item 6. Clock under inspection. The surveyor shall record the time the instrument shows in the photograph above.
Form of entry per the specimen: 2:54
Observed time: 8:43
